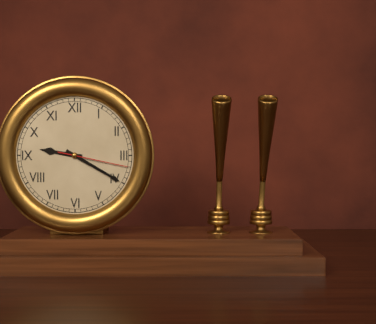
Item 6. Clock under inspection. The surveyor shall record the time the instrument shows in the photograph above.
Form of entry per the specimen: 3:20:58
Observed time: 9:20:17
